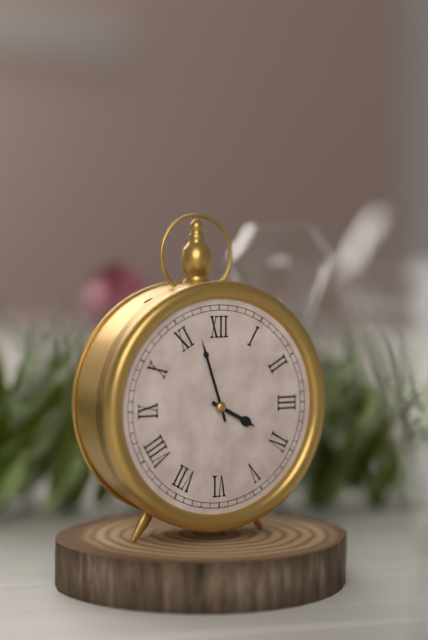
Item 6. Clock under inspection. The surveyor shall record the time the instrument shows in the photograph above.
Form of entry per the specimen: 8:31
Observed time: 3:57
